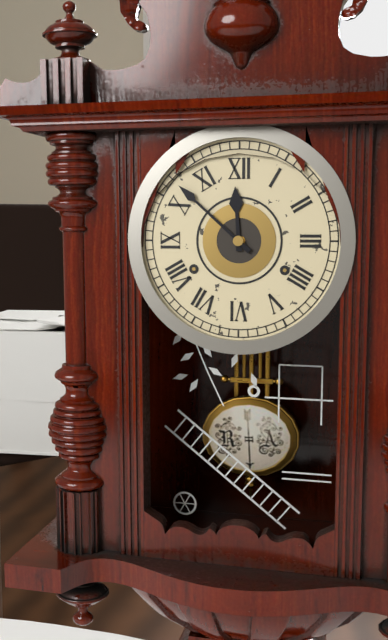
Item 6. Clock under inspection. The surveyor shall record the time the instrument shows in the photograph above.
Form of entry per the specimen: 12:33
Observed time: 11:52
